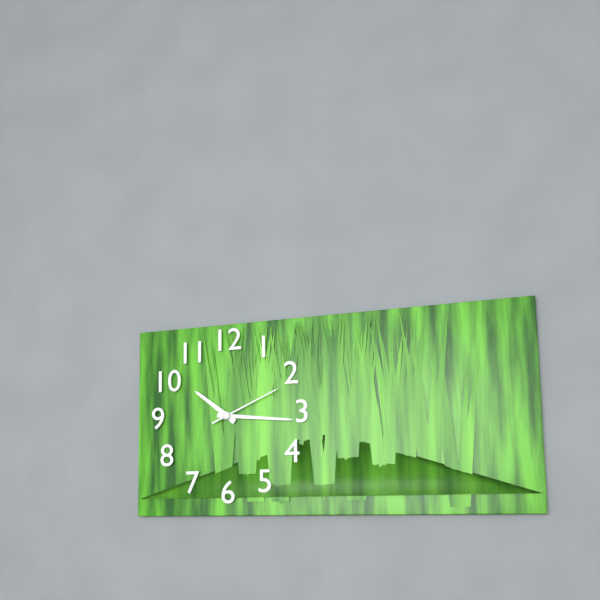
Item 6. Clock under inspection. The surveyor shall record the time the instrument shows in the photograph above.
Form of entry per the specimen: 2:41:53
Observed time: 10:16:11
